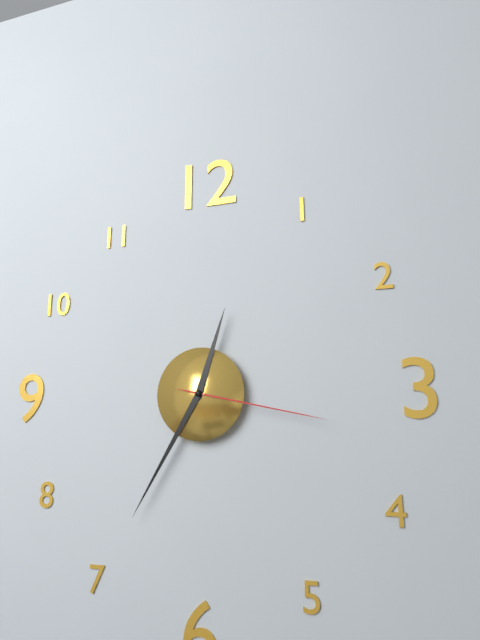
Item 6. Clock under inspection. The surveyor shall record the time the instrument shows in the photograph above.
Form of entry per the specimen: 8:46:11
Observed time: 12:35:17
